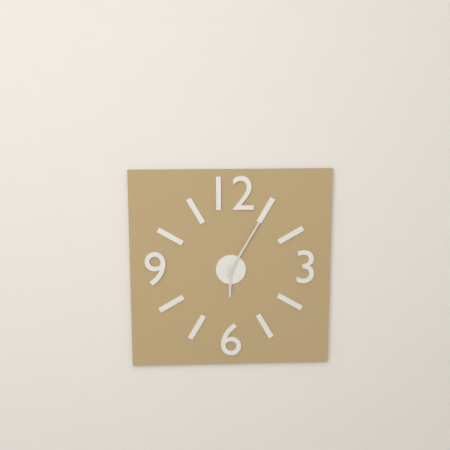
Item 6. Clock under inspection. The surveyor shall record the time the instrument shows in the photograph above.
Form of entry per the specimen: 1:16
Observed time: 6:05
